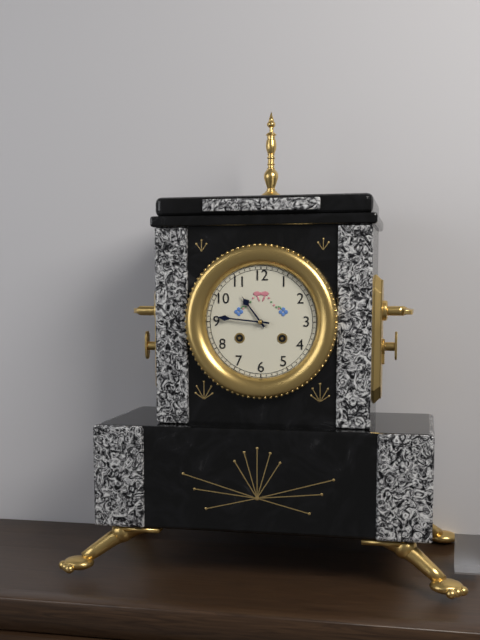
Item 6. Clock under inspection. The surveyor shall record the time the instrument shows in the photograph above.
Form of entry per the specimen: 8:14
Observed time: 10:46
